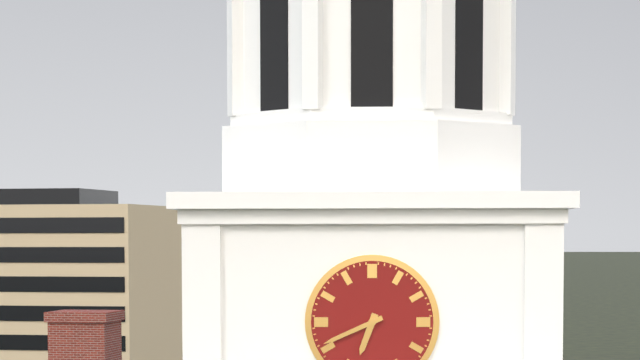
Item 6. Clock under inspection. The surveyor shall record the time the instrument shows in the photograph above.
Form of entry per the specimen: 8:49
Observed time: 6:41
